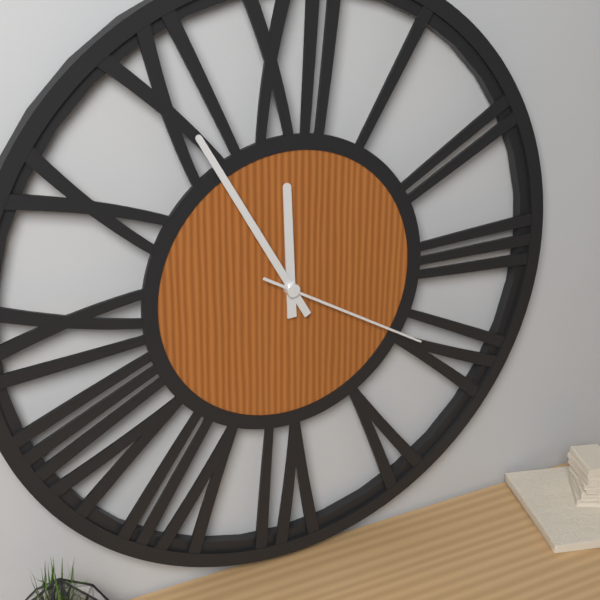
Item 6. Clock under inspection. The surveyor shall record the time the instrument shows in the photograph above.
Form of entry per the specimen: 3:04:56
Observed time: 11:55:20
